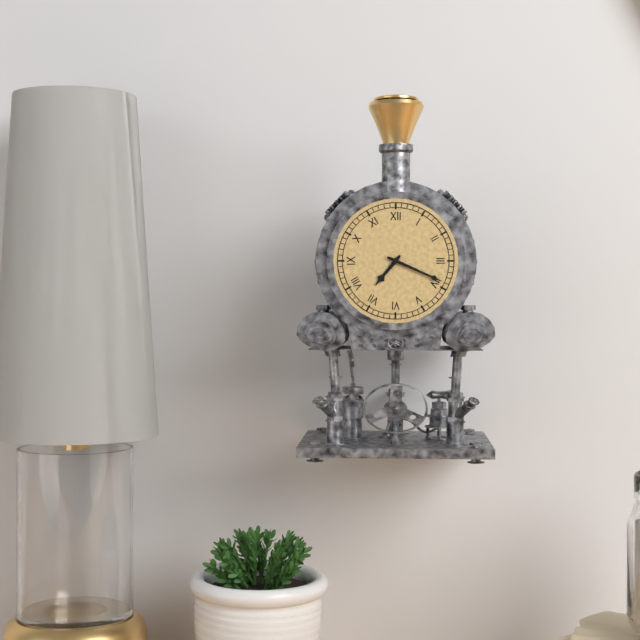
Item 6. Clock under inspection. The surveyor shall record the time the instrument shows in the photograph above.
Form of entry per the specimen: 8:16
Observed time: 7:19
